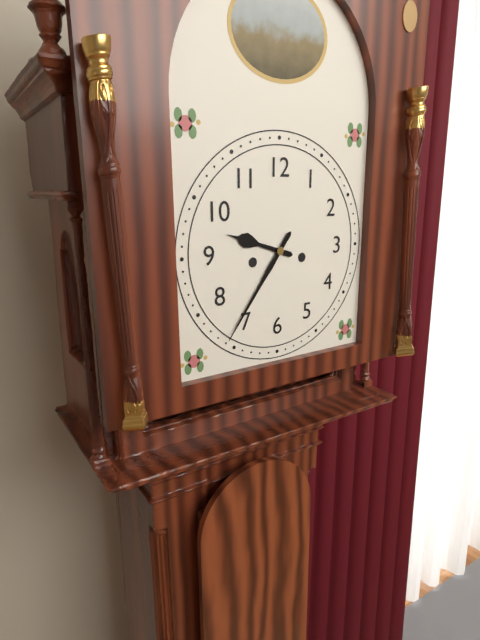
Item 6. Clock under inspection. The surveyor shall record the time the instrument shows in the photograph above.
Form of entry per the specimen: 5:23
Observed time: 9:36
